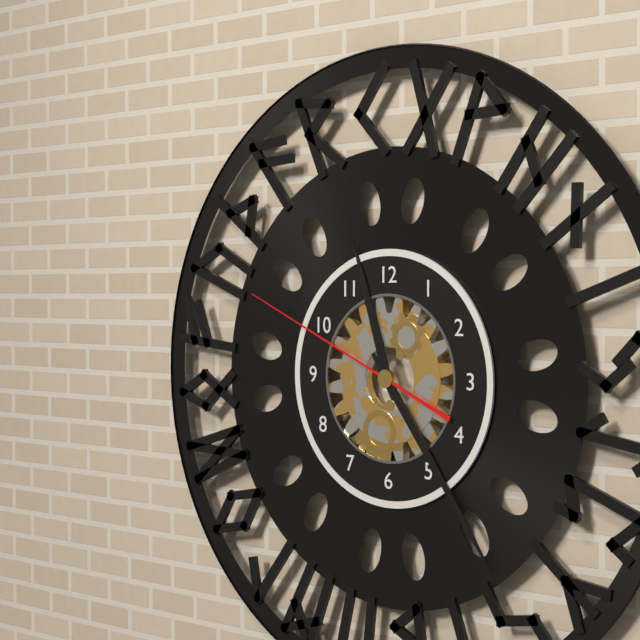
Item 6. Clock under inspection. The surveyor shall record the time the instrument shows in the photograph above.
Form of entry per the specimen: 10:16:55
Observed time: 11:24:49
